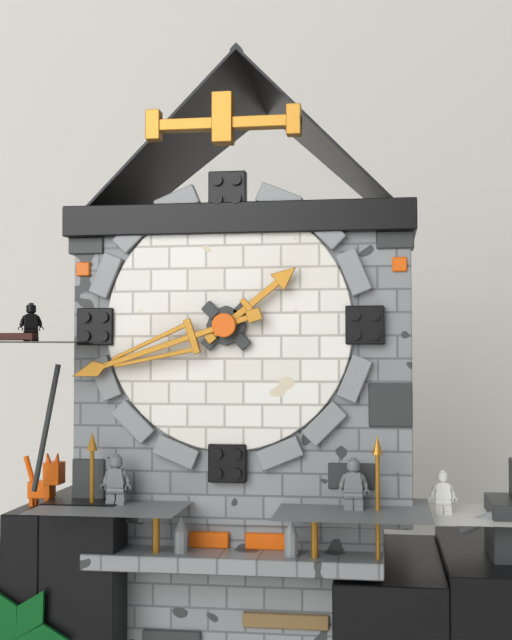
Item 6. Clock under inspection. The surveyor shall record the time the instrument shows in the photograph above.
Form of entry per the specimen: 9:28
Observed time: 1:42
